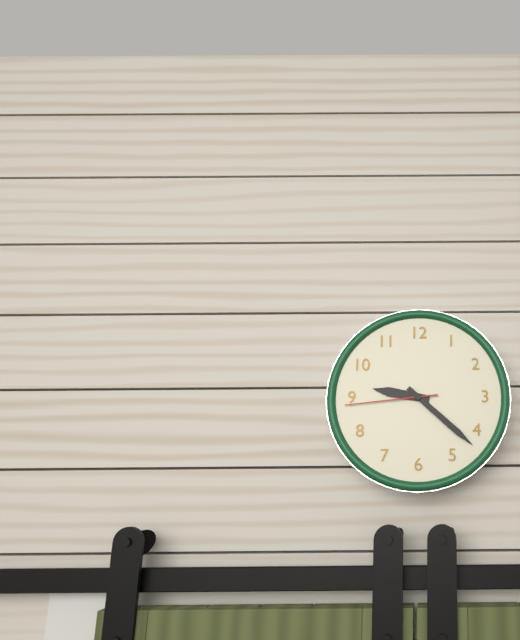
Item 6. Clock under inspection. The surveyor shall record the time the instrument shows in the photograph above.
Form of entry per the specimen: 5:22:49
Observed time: 9:22:44
